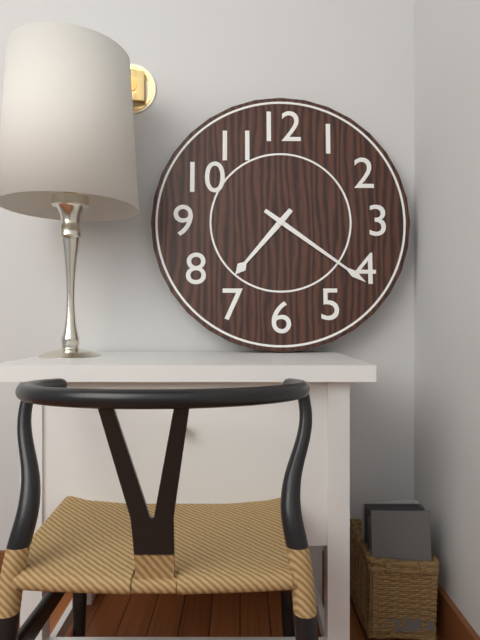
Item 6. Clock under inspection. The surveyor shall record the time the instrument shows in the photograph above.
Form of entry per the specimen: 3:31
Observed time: 7:21
